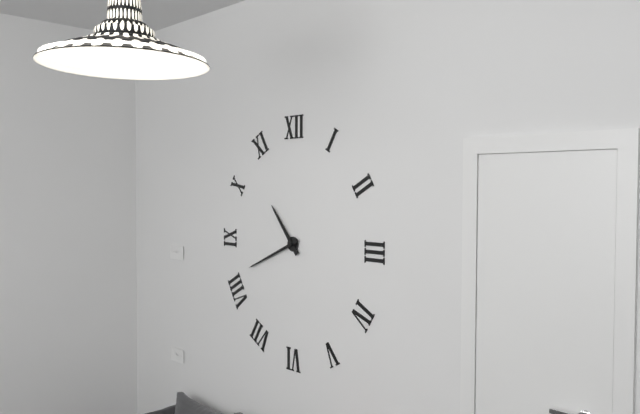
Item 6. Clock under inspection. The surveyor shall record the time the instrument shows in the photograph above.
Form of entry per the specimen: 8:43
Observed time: 10:41
